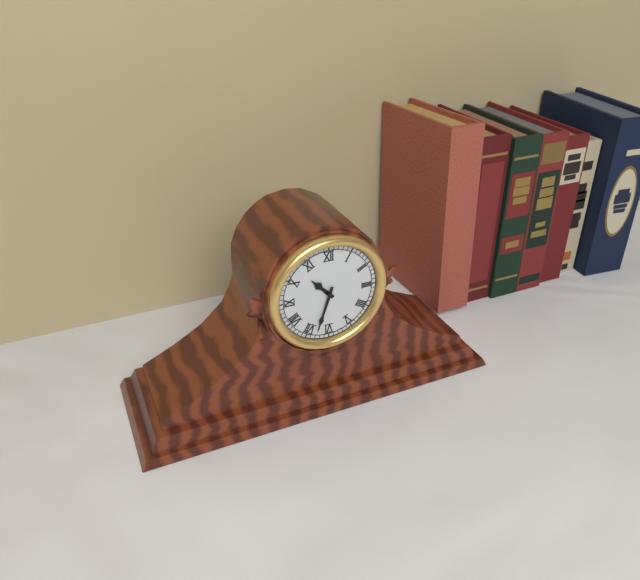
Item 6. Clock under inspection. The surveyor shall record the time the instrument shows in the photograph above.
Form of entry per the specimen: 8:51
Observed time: 10:33
